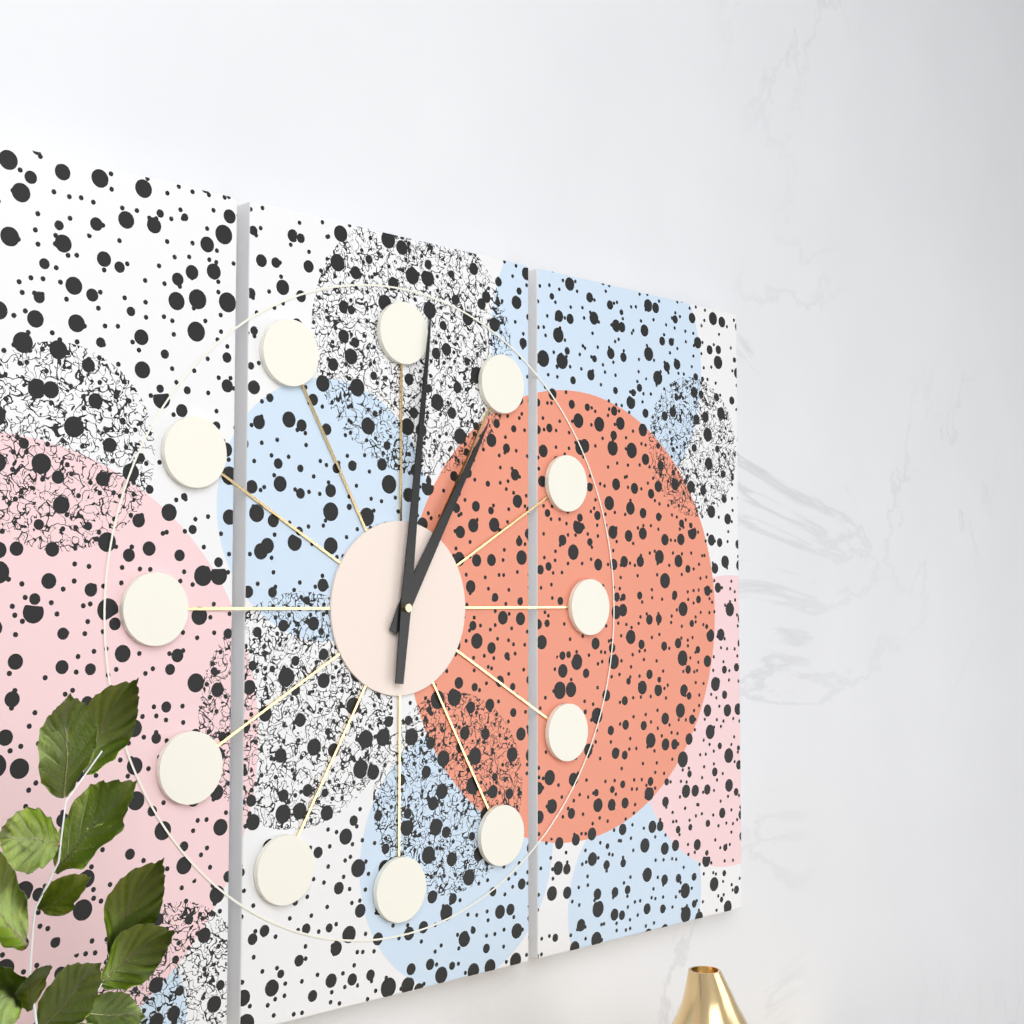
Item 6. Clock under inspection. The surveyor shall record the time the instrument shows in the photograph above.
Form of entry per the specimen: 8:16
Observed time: 1:01
